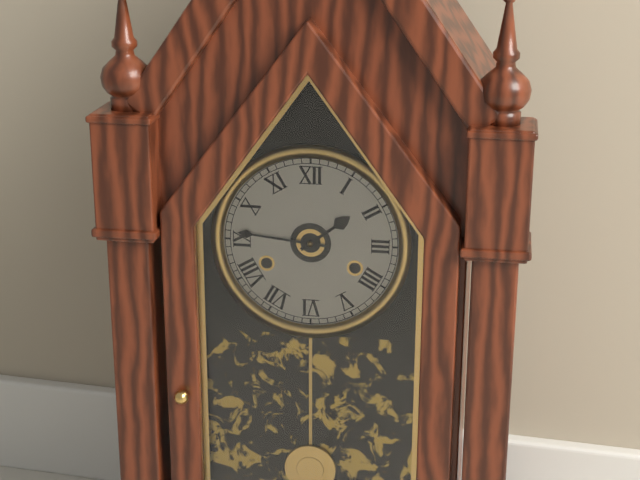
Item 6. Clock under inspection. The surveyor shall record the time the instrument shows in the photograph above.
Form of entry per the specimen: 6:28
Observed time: 1:46
